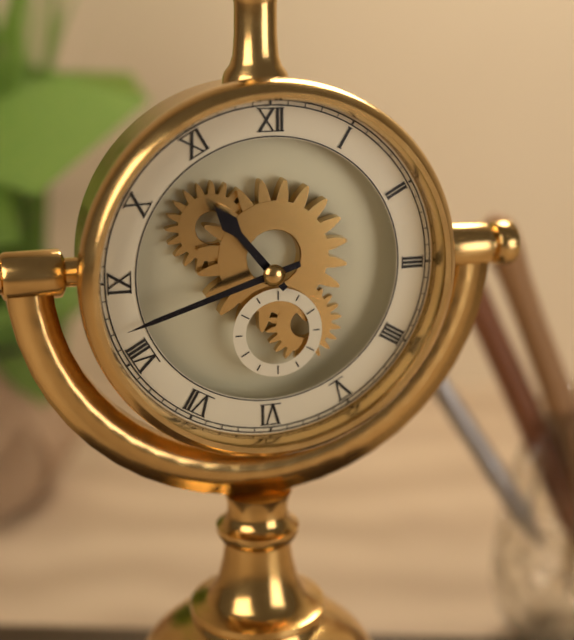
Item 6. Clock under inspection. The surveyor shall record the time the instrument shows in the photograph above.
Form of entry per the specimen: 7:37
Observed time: 10:42
